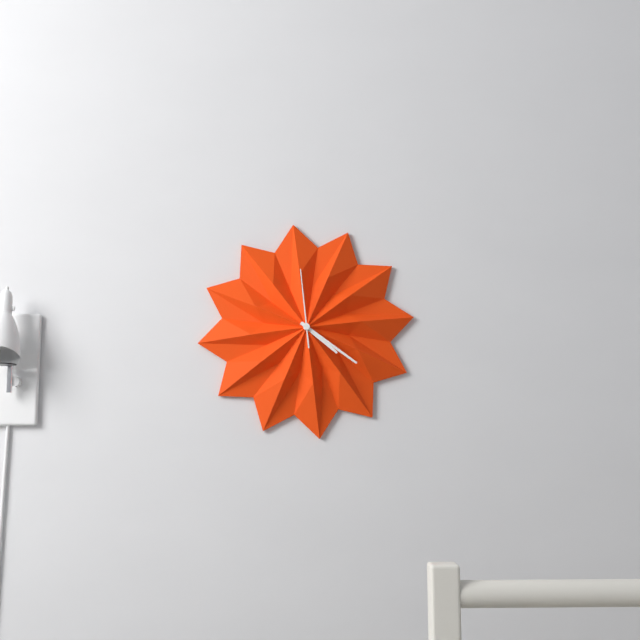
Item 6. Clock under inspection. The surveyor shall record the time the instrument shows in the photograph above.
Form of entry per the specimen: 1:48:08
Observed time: 4:21:59
